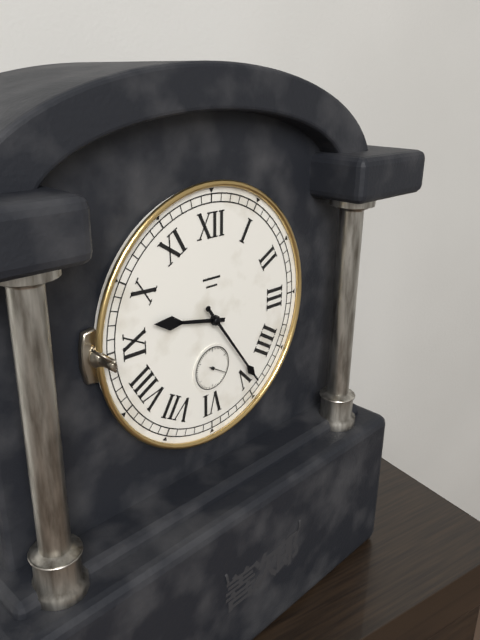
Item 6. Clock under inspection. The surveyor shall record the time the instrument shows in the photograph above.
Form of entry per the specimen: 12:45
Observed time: 9:24
